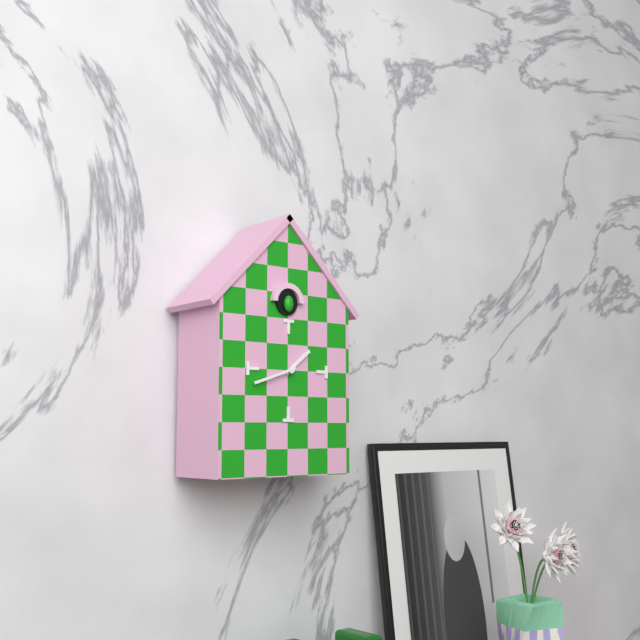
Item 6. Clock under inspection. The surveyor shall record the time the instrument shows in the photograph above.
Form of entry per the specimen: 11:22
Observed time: 1:42
